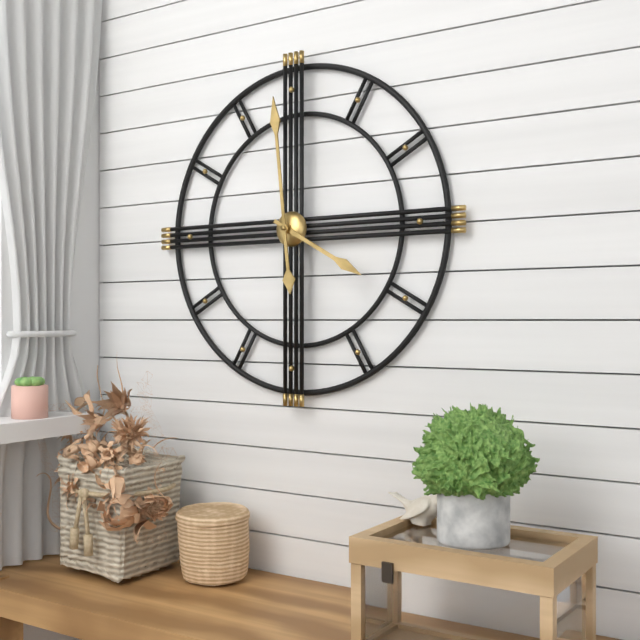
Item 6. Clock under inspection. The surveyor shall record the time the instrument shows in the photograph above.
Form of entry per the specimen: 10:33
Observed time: 3:59
